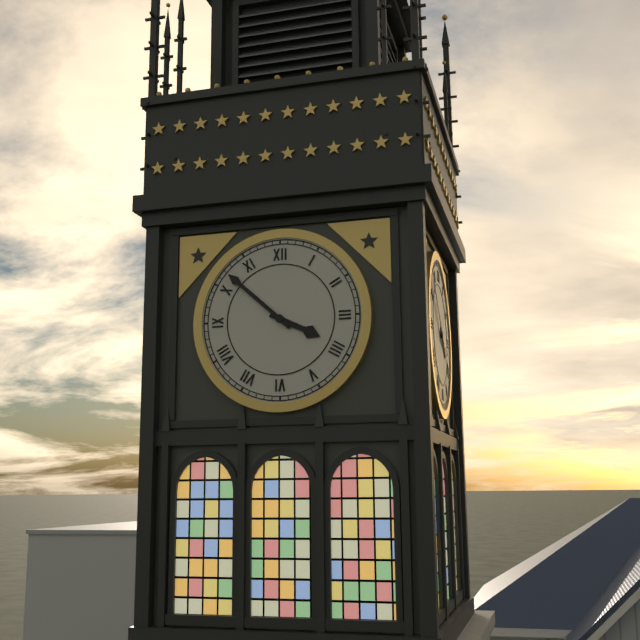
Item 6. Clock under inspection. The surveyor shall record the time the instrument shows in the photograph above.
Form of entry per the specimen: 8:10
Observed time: 3:52
